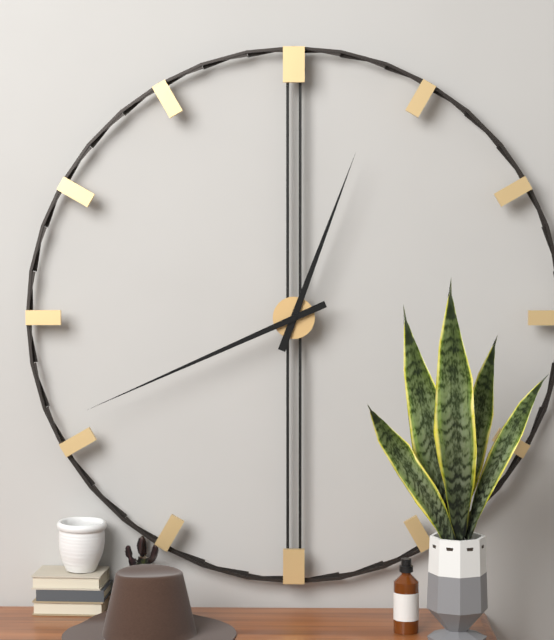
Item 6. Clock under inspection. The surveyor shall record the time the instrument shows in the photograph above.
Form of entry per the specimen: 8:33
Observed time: 12:41
